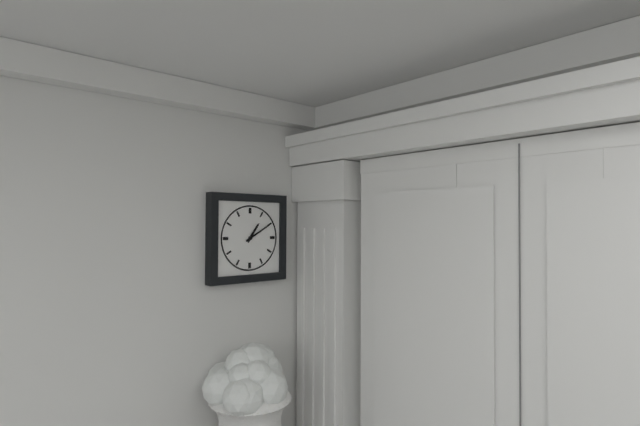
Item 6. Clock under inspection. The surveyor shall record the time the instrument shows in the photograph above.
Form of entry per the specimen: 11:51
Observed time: 1:10
